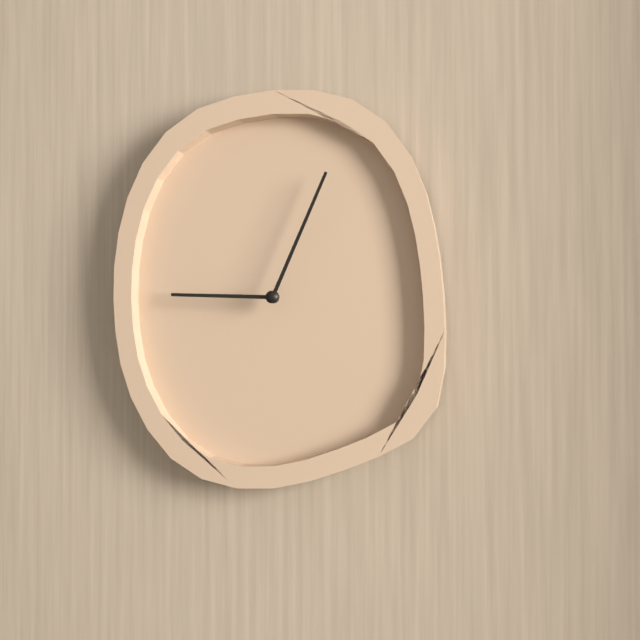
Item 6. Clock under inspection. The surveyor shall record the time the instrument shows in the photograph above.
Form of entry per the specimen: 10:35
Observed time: 9:04
